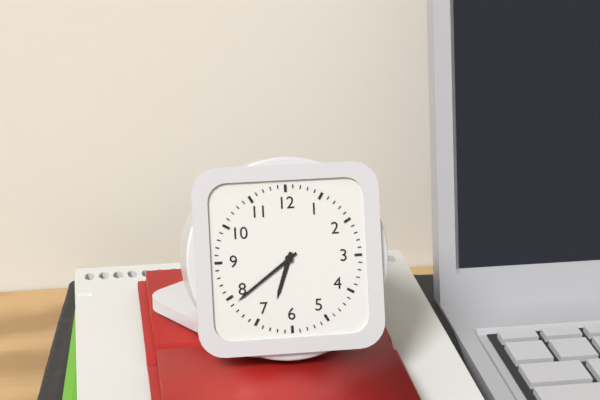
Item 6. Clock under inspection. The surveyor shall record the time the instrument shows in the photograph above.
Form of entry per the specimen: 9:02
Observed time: 6:39
